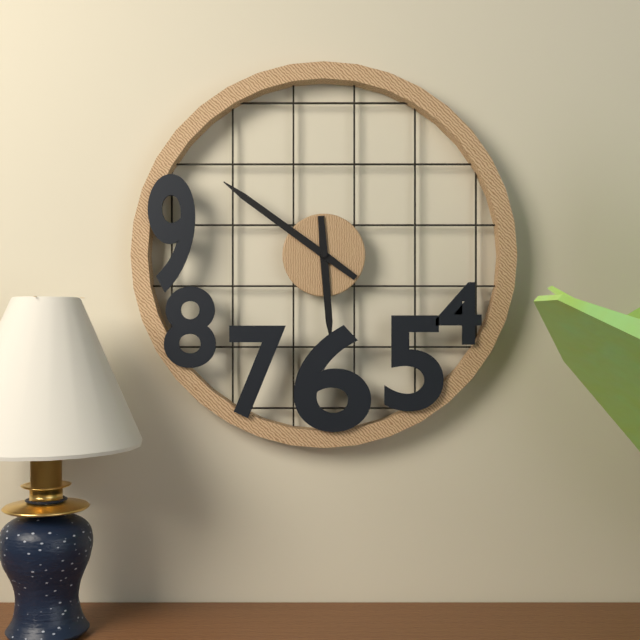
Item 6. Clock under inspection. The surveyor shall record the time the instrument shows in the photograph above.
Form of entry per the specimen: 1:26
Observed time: 5:51
